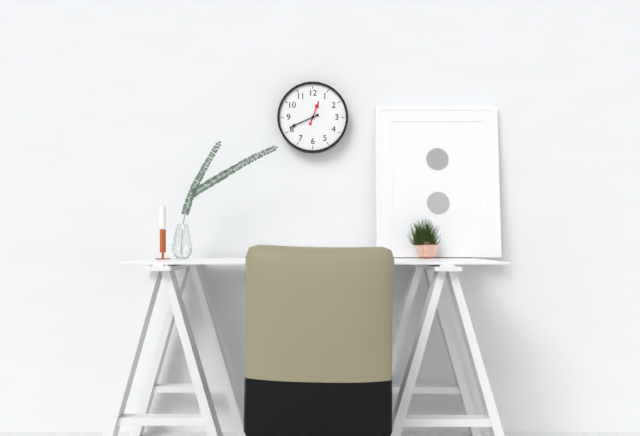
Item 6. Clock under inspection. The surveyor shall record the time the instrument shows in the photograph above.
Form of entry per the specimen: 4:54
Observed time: 12:41
